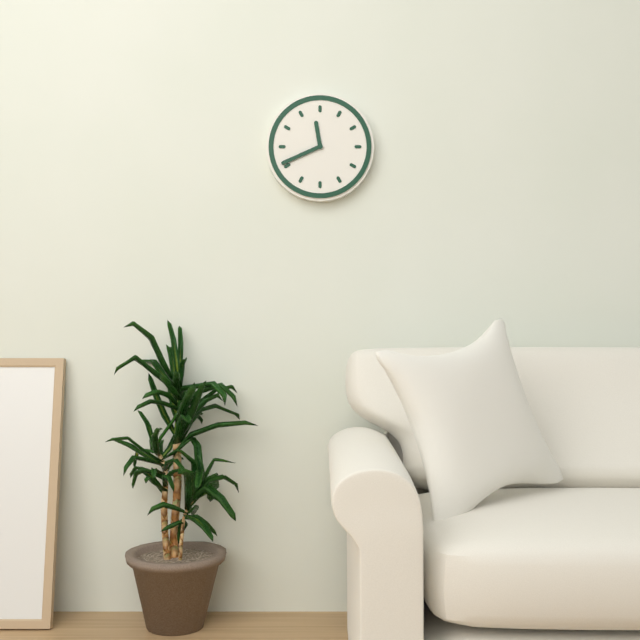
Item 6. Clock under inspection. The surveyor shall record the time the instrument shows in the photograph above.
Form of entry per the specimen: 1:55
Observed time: 11:41
